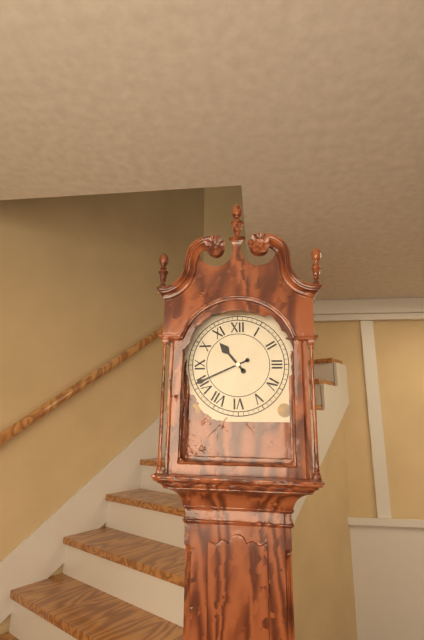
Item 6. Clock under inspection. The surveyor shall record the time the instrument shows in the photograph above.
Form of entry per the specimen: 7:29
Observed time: 10:41
